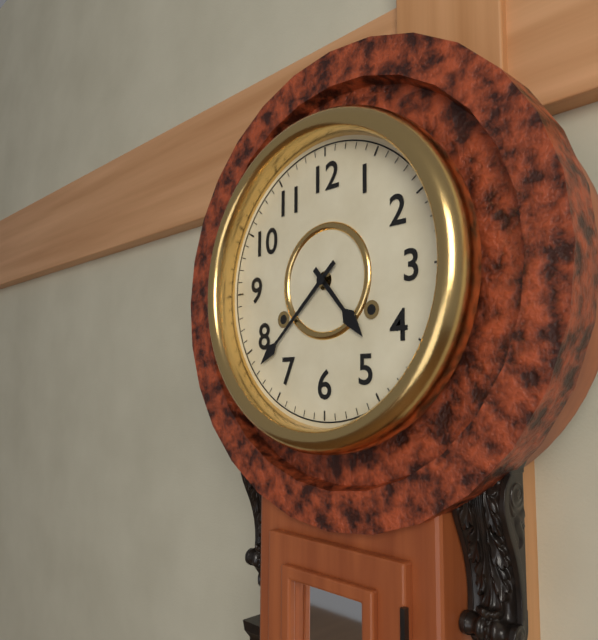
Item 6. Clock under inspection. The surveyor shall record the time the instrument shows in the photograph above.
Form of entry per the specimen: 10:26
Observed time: 4:38
